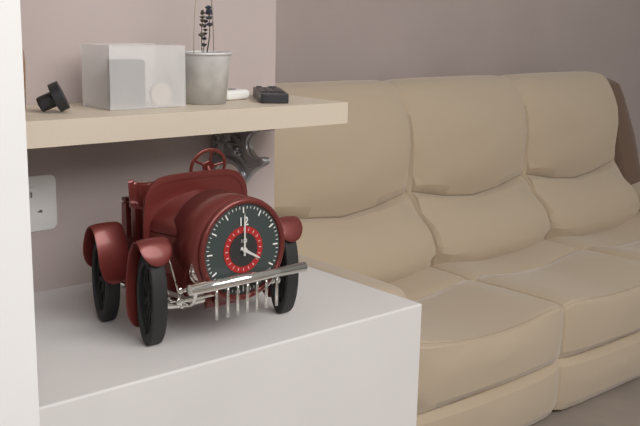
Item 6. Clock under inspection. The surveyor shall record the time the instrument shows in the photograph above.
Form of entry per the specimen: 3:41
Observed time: 4:00
